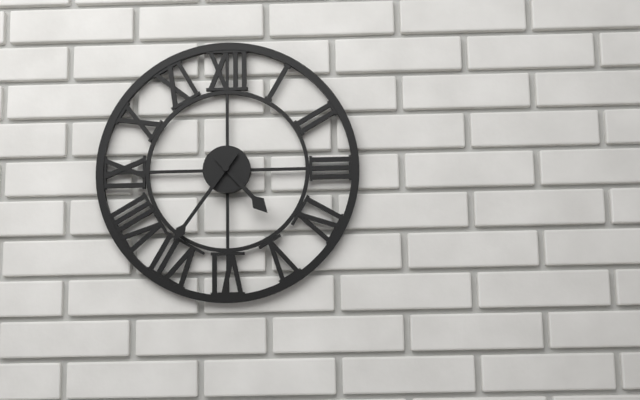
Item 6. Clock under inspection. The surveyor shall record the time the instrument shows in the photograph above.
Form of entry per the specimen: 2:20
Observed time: 4:36
